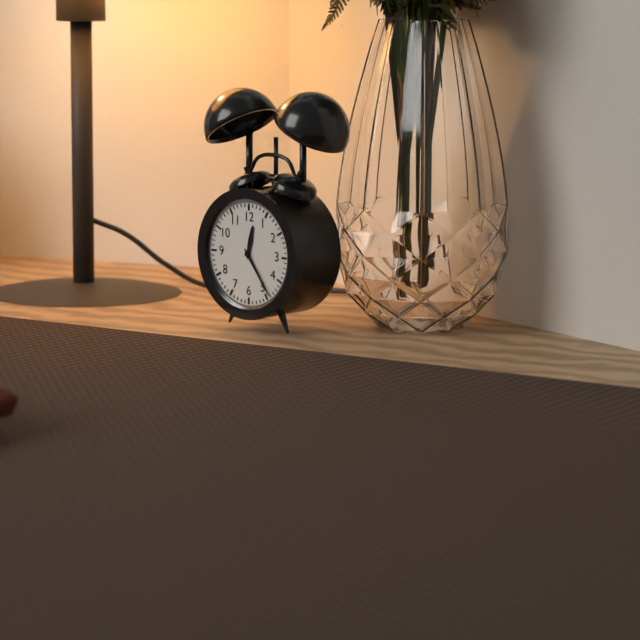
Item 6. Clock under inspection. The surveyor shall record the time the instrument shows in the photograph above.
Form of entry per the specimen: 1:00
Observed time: 12:24
